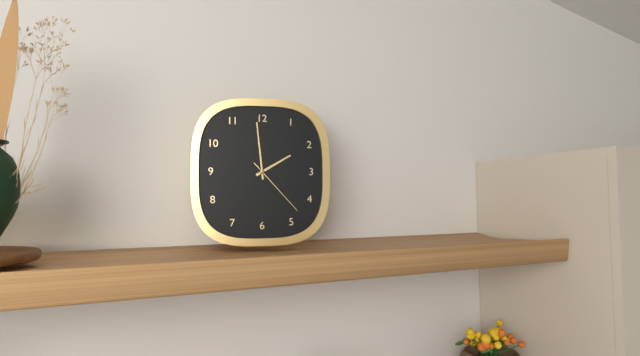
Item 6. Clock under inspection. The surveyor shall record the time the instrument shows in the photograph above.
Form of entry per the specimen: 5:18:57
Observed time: 1:59:23
